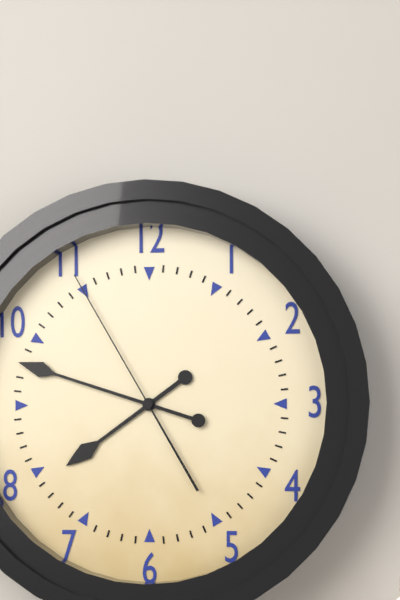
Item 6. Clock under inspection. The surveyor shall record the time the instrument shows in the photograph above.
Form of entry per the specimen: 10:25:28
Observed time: 7:48:55
